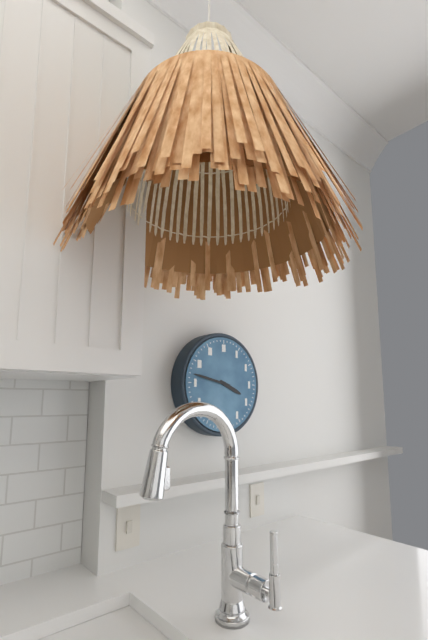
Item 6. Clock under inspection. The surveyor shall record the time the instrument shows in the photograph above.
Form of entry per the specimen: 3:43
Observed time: 3:47
